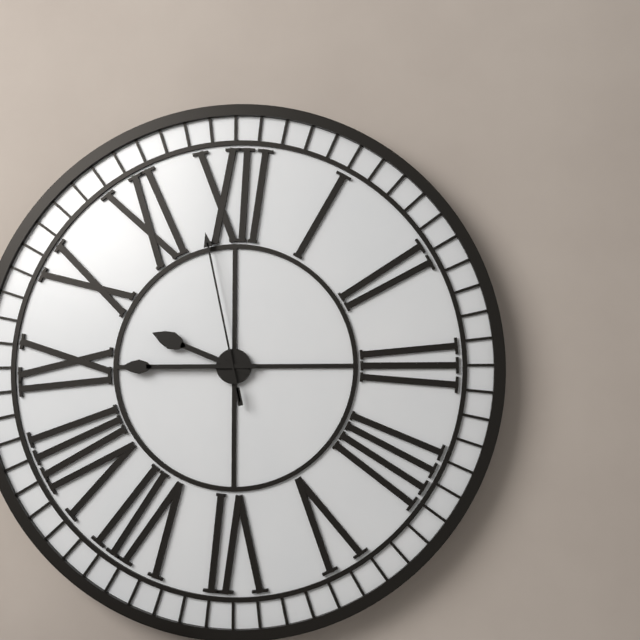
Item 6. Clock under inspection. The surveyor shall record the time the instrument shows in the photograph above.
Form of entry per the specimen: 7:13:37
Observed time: 9:45:58
